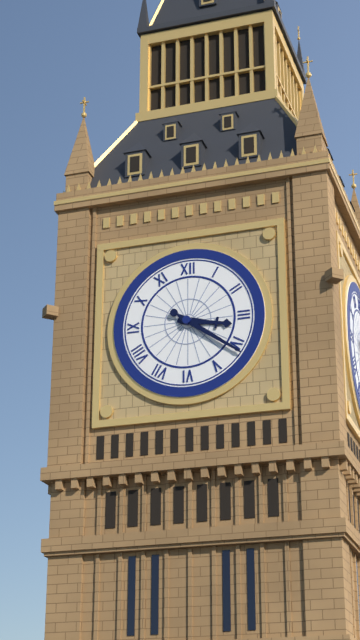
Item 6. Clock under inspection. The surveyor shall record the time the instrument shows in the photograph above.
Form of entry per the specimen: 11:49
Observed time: 3:21
